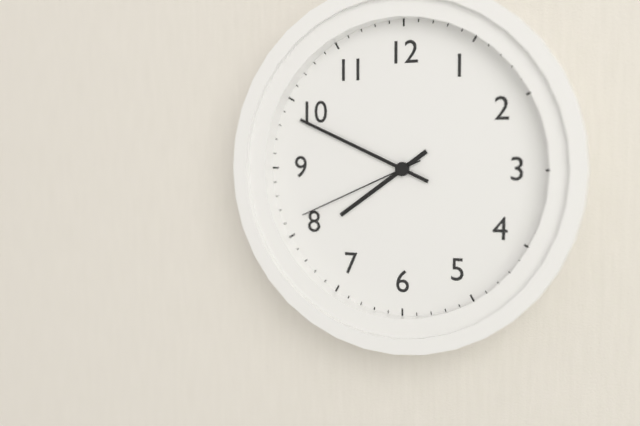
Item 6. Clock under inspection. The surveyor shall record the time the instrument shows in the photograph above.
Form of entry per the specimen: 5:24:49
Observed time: 7:49:41
